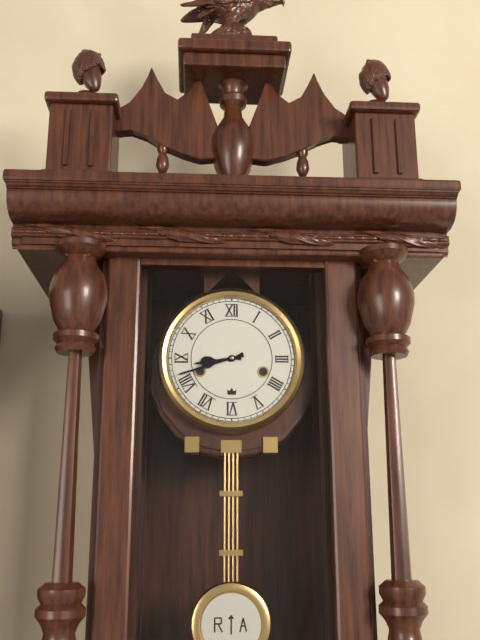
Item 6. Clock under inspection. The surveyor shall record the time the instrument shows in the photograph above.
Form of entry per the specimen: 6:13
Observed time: 8:42
